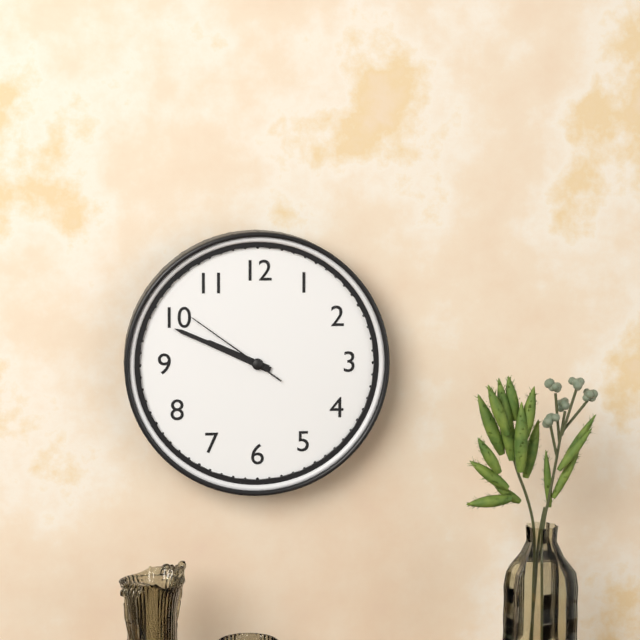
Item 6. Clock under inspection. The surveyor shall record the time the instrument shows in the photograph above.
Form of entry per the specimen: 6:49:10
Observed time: 9:49:51
